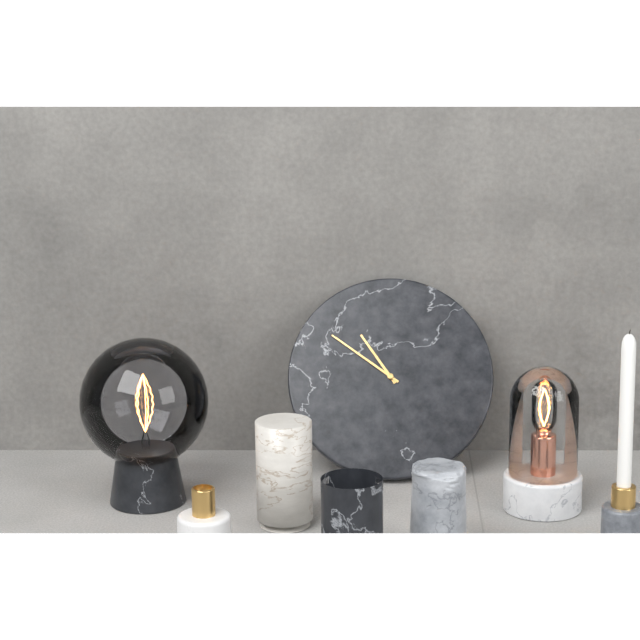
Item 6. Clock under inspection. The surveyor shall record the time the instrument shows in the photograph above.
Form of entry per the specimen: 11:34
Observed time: 10:51
